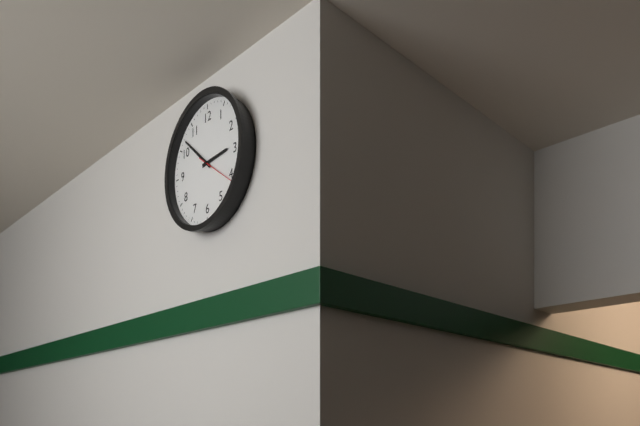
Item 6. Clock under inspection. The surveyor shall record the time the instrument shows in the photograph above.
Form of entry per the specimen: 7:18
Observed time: 2:52
